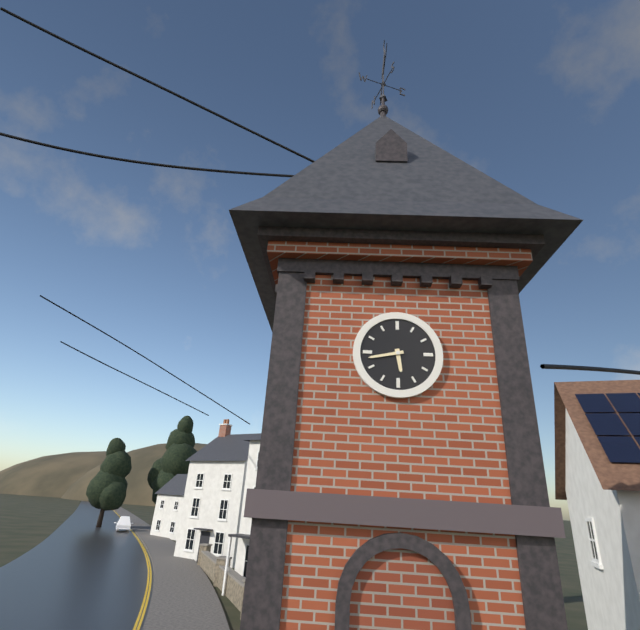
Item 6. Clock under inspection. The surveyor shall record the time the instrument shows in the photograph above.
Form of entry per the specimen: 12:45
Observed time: 5:43
